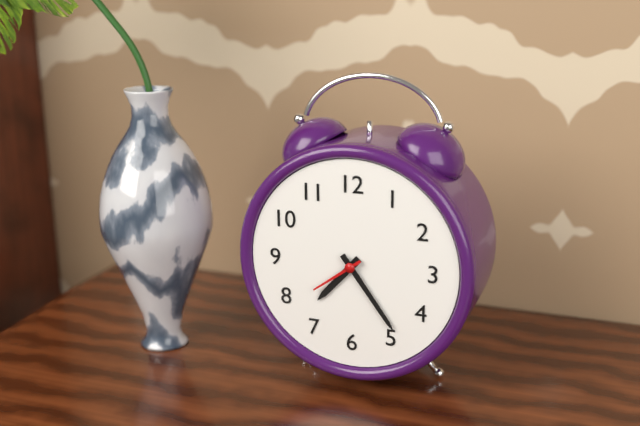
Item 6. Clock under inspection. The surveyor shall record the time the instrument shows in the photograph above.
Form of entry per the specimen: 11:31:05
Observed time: 7:24:39
